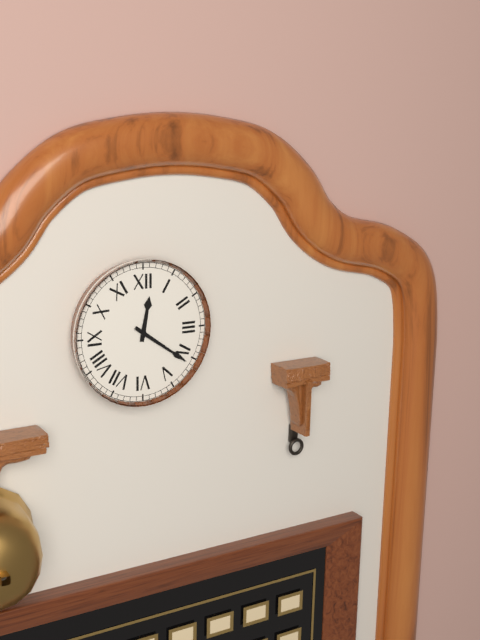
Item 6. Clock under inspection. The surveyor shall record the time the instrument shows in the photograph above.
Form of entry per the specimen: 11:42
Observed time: 12:21
